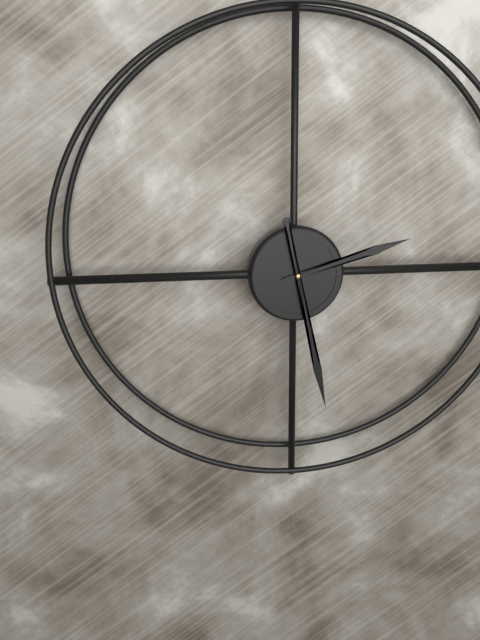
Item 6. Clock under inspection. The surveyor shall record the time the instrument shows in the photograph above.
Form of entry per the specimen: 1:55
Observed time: 2:28
